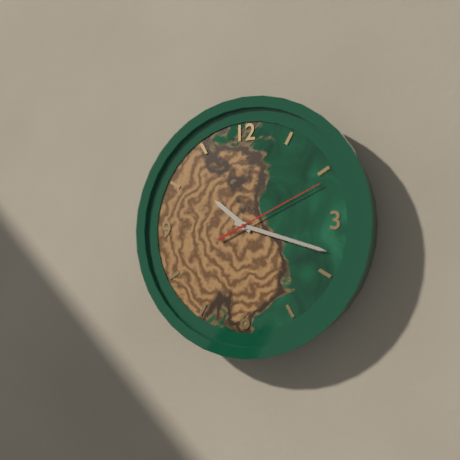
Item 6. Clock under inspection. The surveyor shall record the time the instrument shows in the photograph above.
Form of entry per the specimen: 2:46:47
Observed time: 10:18:11
